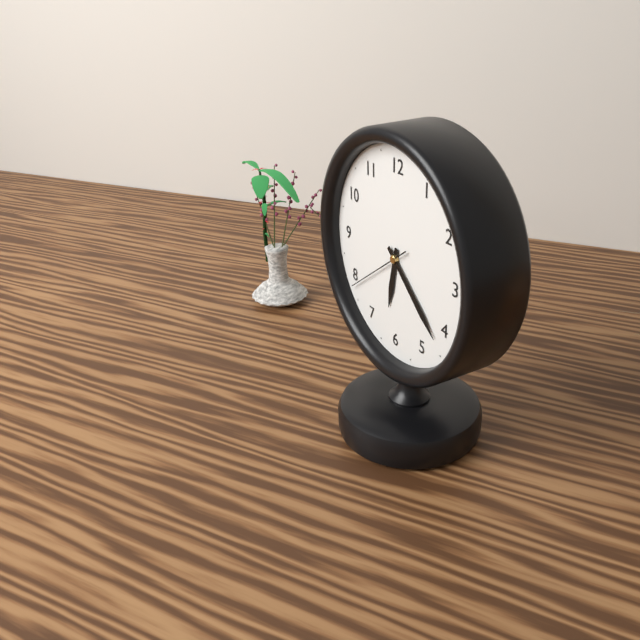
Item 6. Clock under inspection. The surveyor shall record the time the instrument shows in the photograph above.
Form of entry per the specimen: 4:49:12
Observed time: 6:22:39
